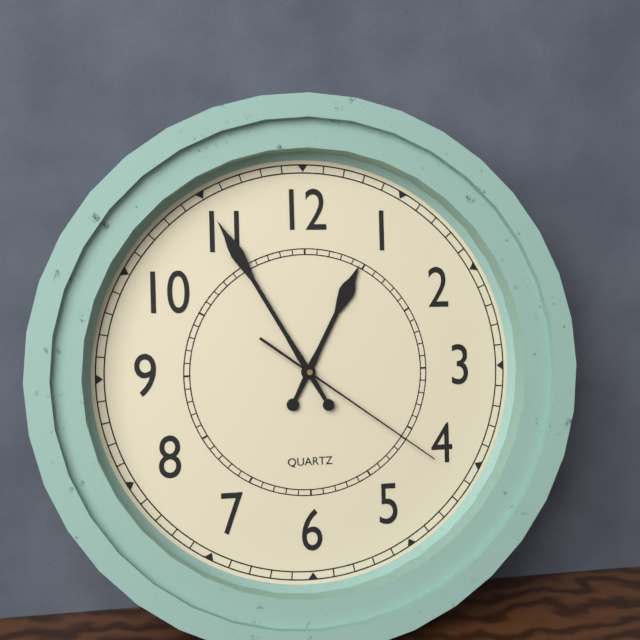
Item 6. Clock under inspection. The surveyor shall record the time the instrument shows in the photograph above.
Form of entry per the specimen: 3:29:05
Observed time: 12:55:21
